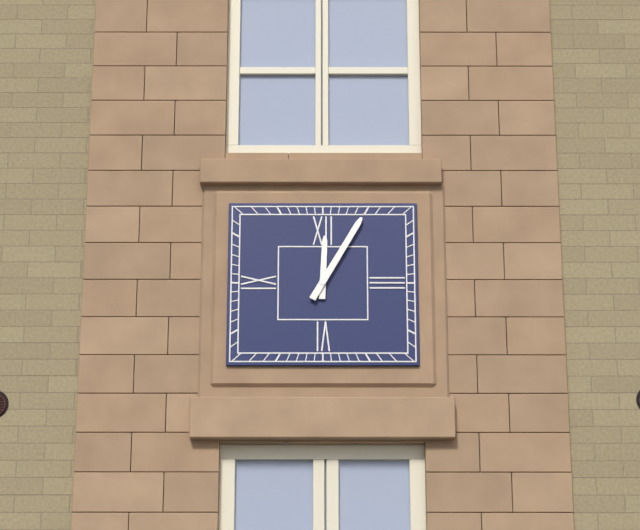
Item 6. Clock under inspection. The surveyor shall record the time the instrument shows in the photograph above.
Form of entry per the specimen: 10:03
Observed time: 12:05
